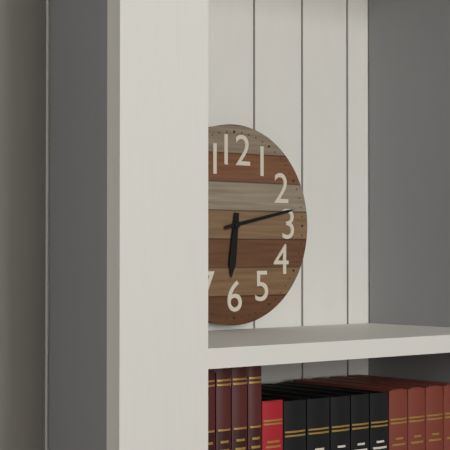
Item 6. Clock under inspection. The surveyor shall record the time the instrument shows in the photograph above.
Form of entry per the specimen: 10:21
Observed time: 6:13
